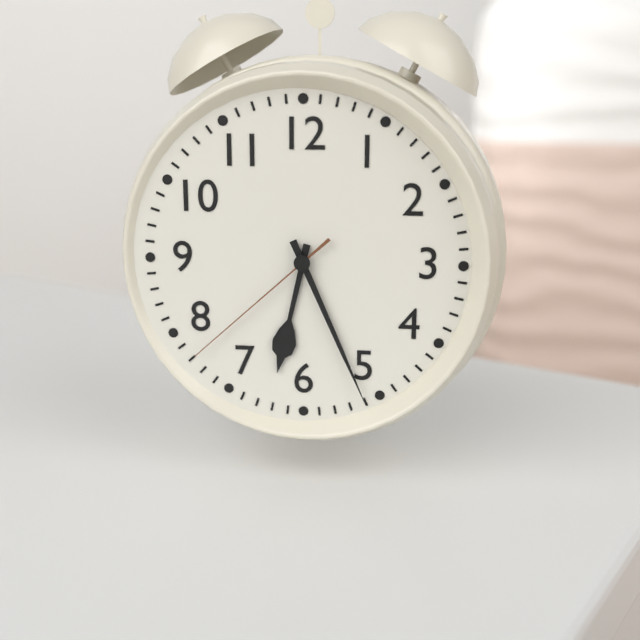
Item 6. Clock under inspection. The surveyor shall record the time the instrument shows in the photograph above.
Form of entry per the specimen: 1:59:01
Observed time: 6:26:38
